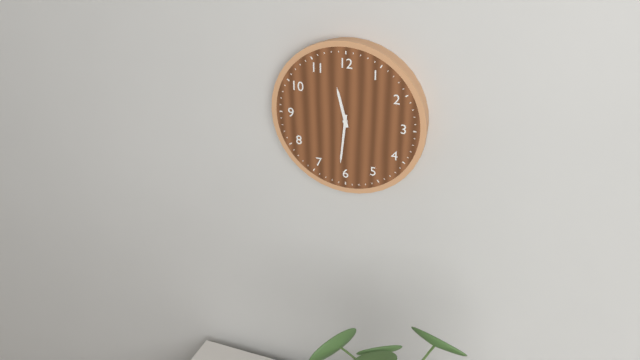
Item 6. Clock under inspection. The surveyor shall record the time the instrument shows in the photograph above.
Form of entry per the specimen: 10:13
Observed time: 11:31
